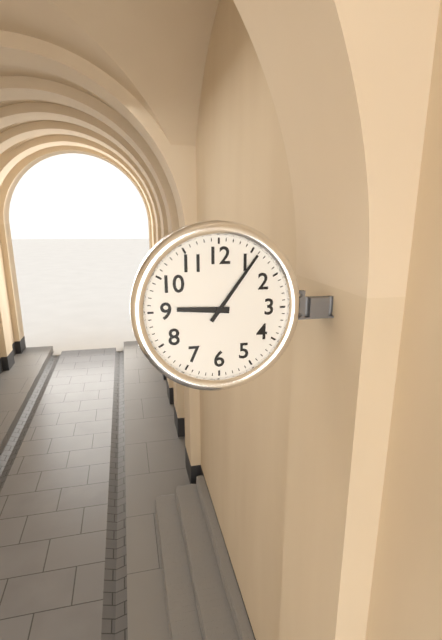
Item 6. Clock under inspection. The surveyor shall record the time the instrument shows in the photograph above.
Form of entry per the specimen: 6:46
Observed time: 9:06
